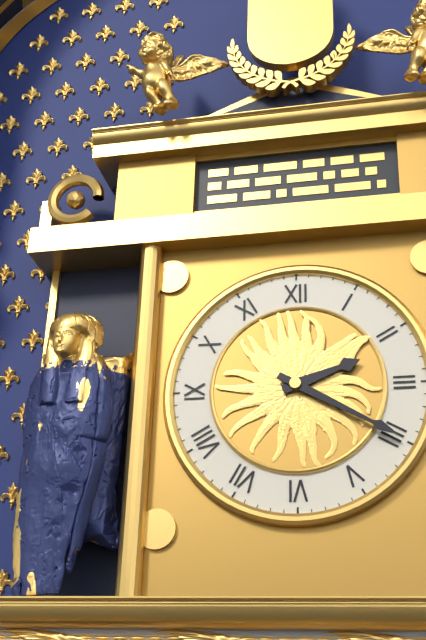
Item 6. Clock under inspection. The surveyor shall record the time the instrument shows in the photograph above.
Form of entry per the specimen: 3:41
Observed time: 2:20
